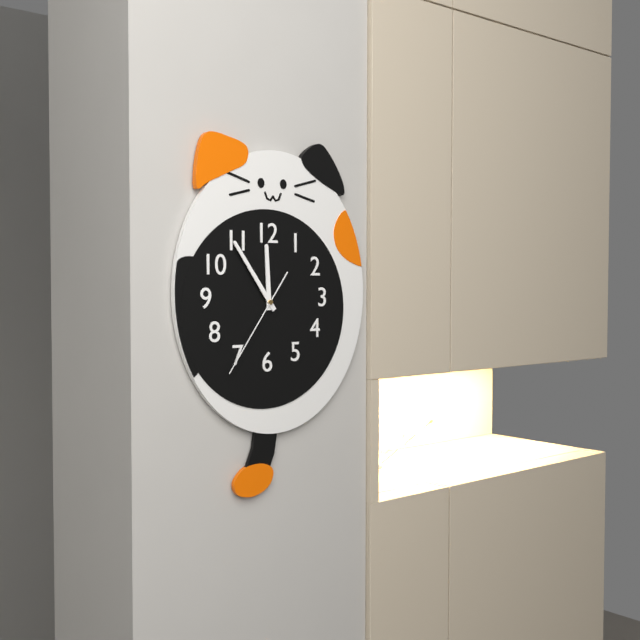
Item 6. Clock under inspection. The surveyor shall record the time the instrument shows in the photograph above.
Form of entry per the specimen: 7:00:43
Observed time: 11:54:36
